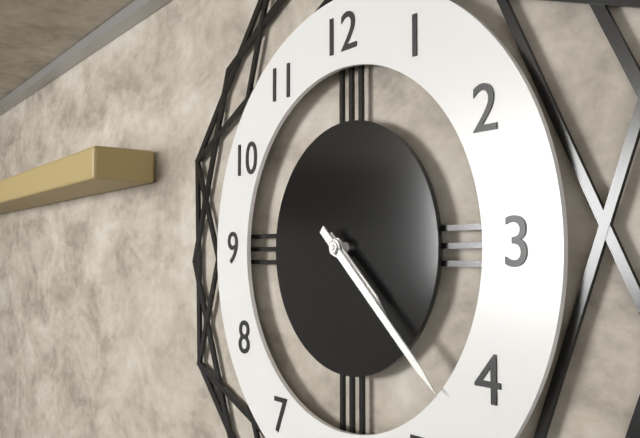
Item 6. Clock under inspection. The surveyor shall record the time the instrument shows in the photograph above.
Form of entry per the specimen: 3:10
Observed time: 4:22
